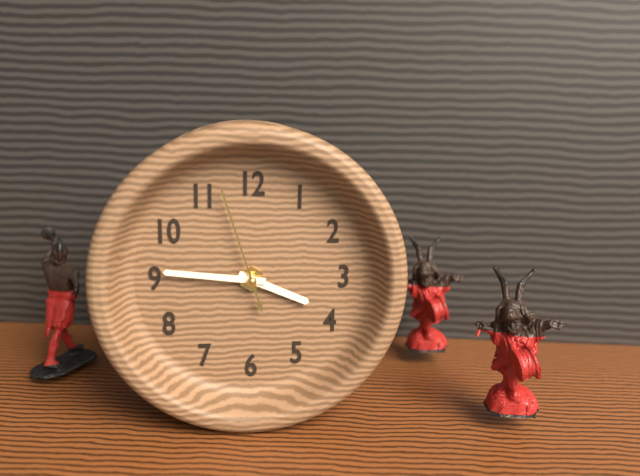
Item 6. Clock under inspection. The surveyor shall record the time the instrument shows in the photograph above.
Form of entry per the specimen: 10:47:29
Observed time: 3:46:57
